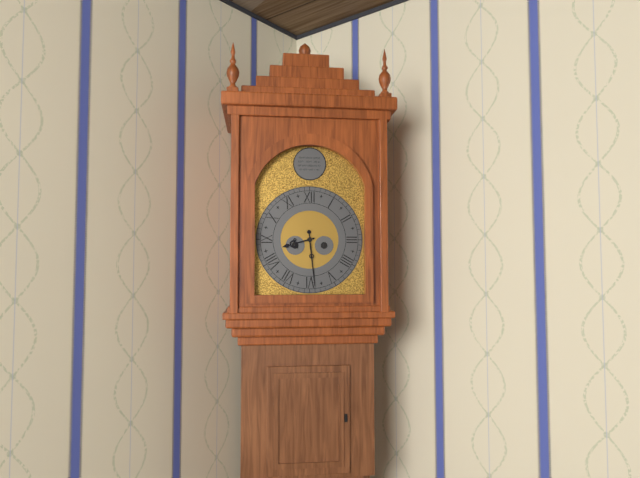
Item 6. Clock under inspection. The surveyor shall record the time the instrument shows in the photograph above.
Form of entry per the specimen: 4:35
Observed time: 8:29
